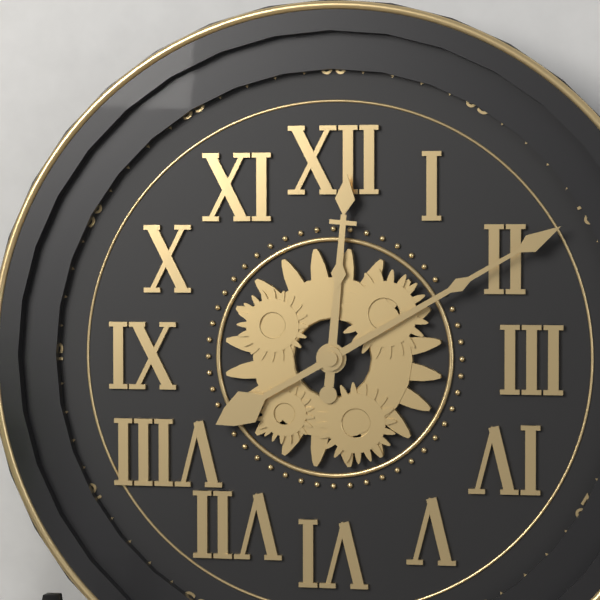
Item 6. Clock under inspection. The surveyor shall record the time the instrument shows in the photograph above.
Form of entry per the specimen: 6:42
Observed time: 12:10
